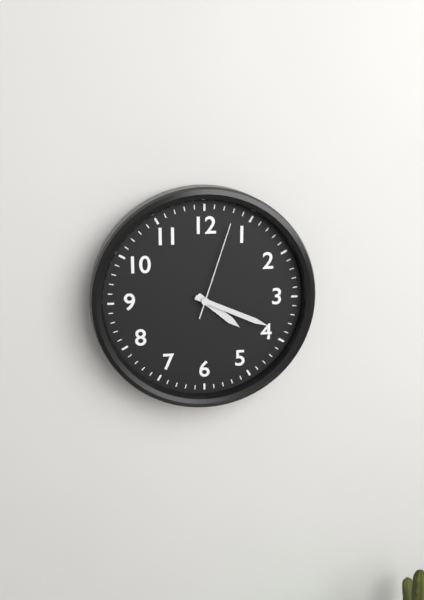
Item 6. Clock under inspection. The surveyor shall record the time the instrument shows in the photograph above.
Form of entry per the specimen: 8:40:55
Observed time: 4:19:03
